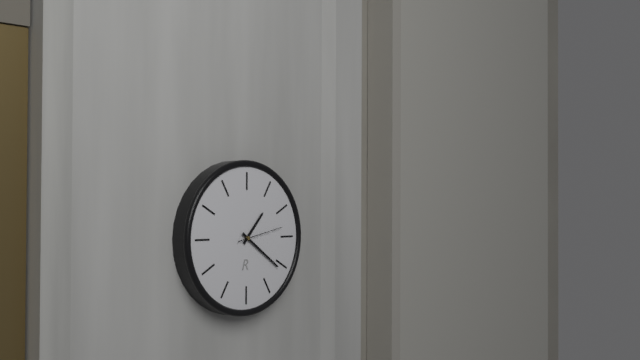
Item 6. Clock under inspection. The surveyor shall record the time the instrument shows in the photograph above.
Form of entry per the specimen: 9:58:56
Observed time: 1:21:13
